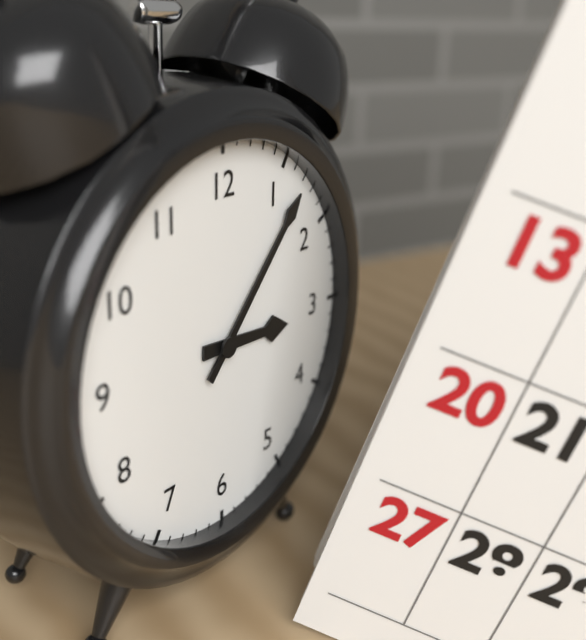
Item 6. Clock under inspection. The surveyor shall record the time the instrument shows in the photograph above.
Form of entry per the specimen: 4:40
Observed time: 3:07
